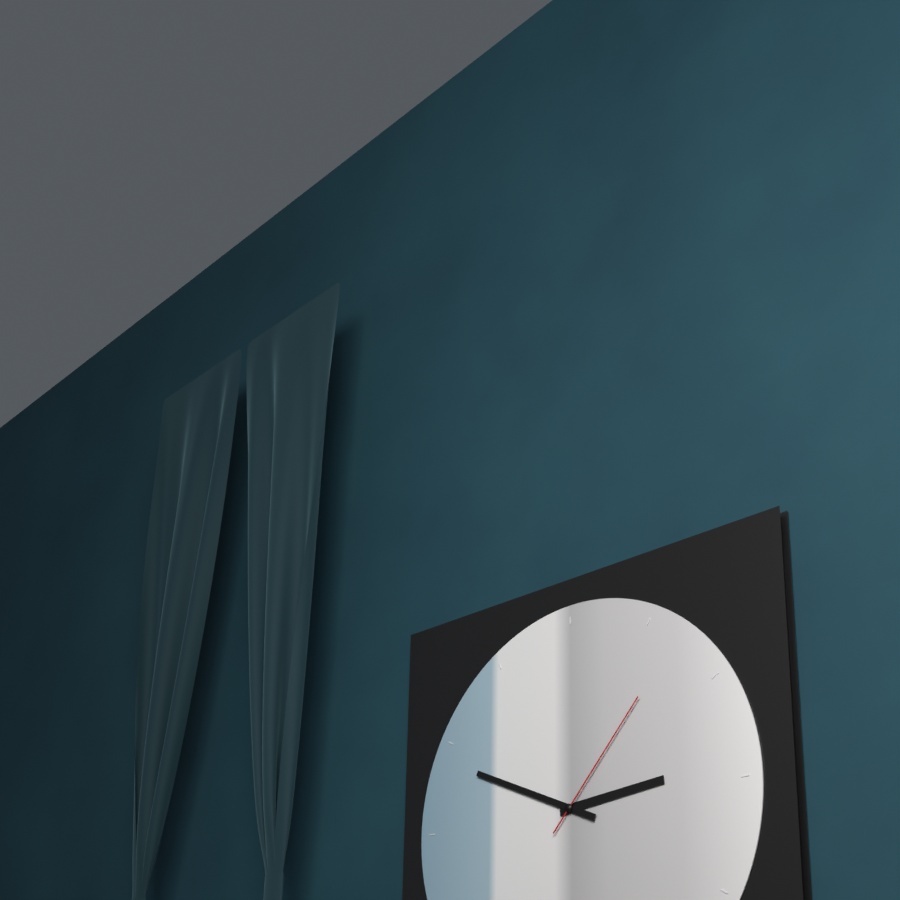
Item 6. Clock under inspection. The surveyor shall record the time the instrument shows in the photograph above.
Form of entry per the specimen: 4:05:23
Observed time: 2:49:07
